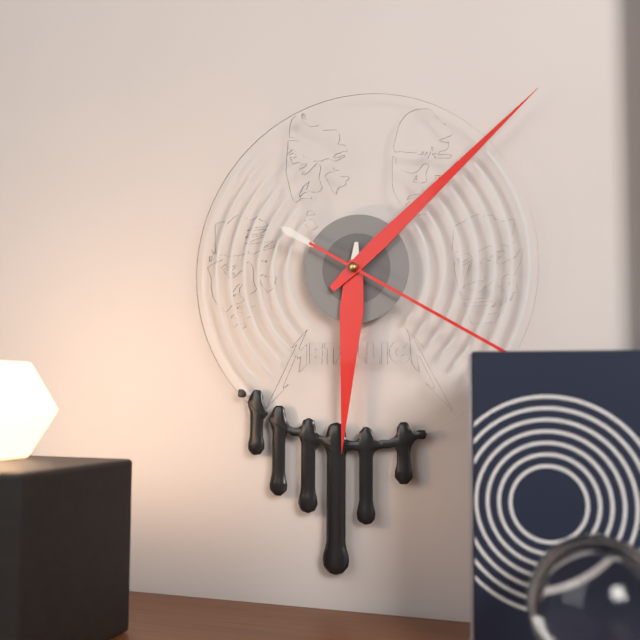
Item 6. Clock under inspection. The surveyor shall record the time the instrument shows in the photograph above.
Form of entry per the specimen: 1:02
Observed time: 6:08
